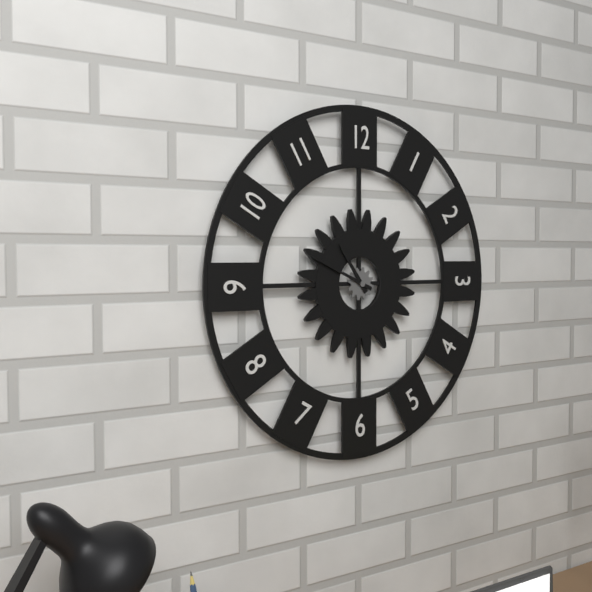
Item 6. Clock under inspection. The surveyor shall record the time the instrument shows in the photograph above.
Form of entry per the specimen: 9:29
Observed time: 10:49
